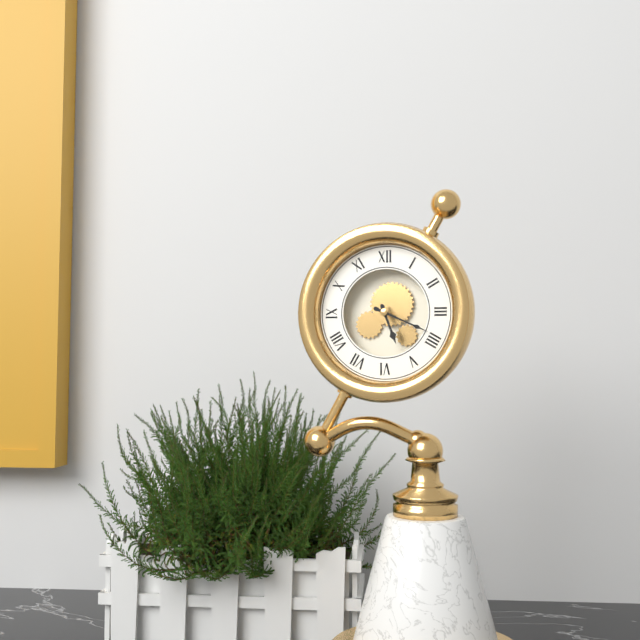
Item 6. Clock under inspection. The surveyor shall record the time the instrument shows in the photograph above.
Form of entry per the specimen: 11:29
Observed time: 5:19
